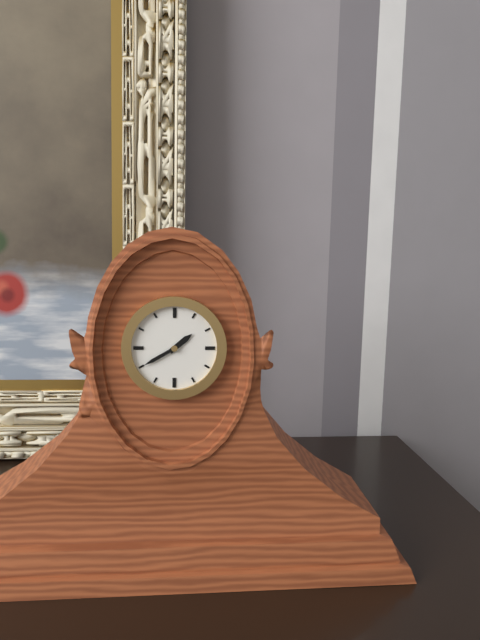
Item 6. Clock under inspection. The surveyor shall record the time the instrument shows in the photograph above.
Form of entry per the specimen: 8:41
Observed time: 1:40
